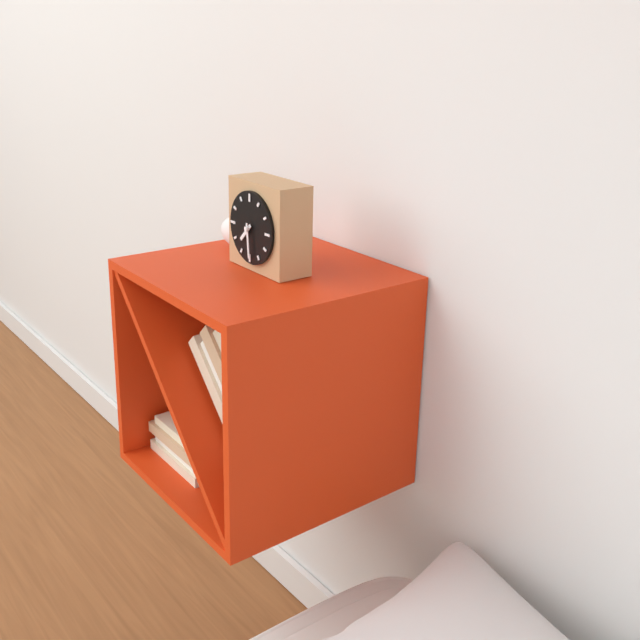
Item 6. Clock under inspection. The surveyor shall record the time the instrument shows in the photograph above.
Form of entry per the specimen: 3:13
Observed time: 7:29
